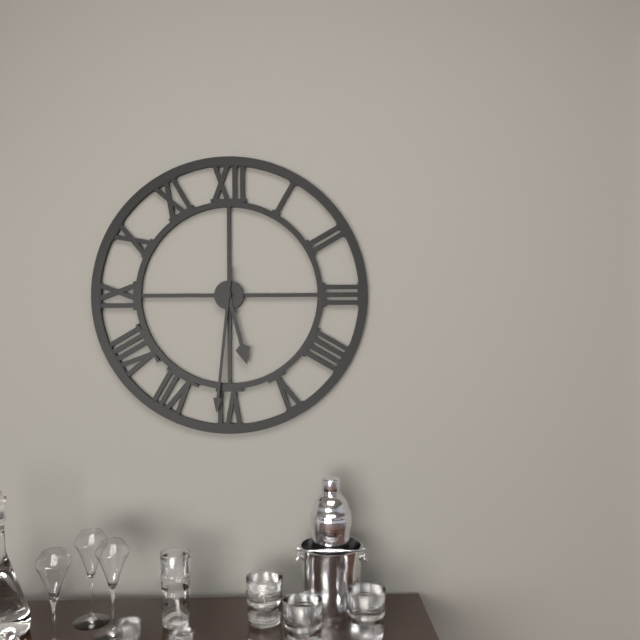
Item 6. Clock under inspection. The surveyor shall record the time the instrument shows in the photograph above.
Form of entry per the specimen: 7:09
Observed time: 5:31
